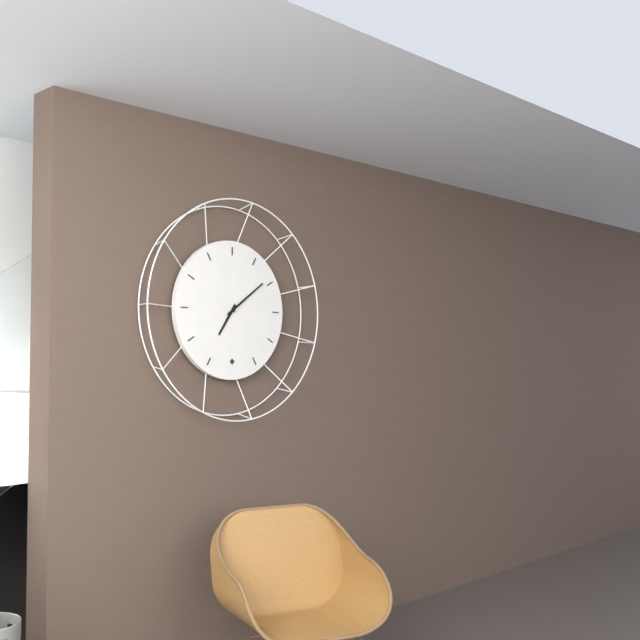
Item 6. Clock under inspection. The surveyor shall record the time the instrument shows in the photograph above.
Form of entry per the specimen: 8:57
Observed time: 7:09
